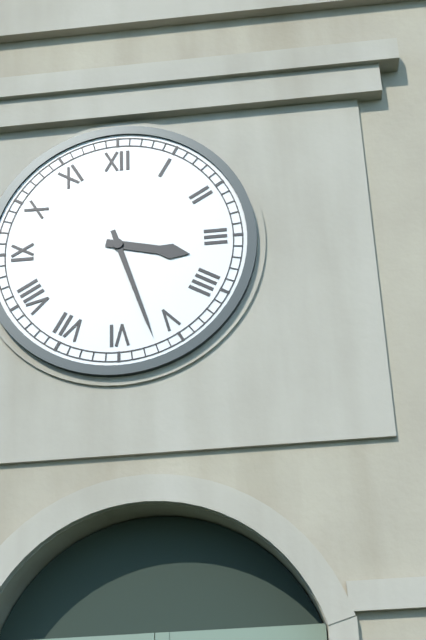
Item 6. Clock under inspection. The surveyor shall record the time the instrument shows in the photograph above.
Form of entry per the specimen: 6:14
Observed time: 3:27
